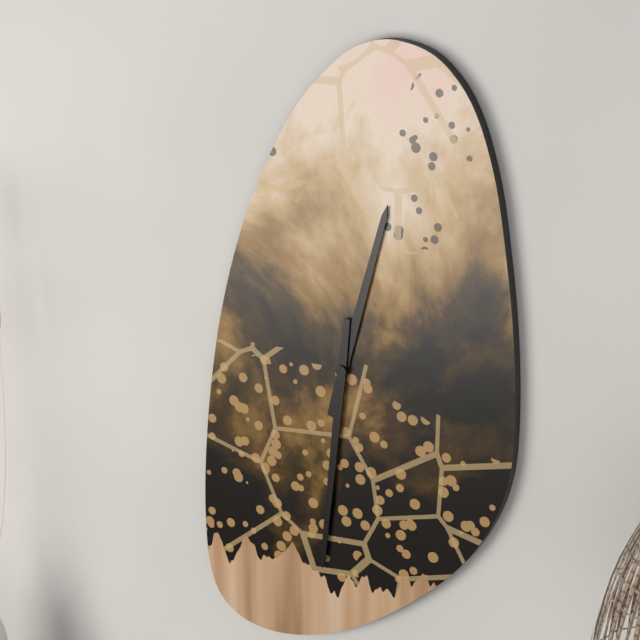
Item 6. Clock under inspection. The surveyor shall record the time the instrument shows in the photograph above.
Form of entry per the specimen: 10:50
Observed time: 12:31
